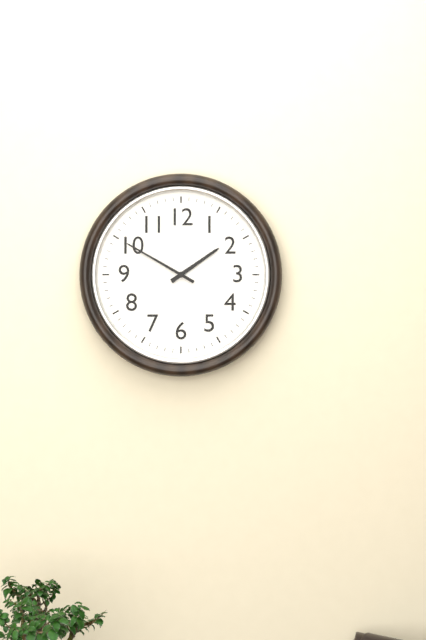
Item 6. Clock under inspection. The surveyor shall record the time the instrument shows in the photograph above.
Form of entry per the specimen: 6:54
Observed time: 1:50
